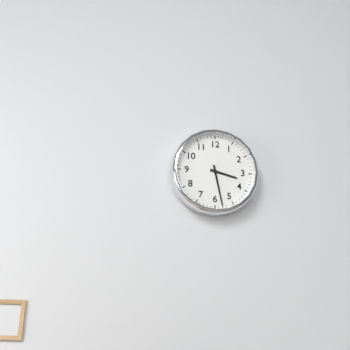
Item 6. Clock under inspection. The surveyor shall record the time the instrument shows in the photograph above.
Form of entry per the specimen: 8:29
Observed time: 3:28
